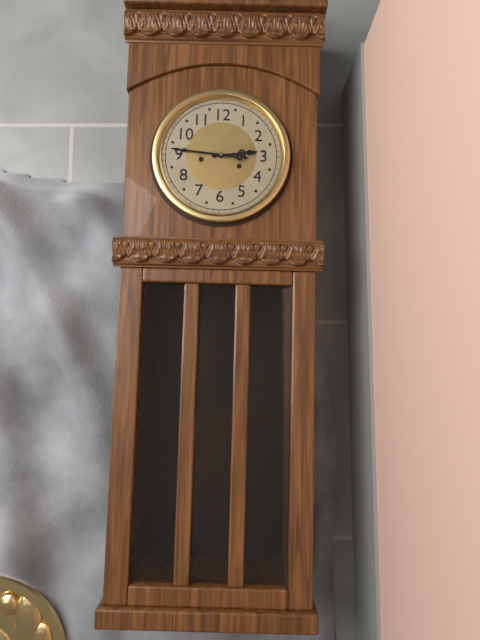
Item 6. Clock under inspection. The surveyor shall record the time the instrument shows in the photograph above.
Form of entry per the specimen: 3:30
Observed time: 2:46
